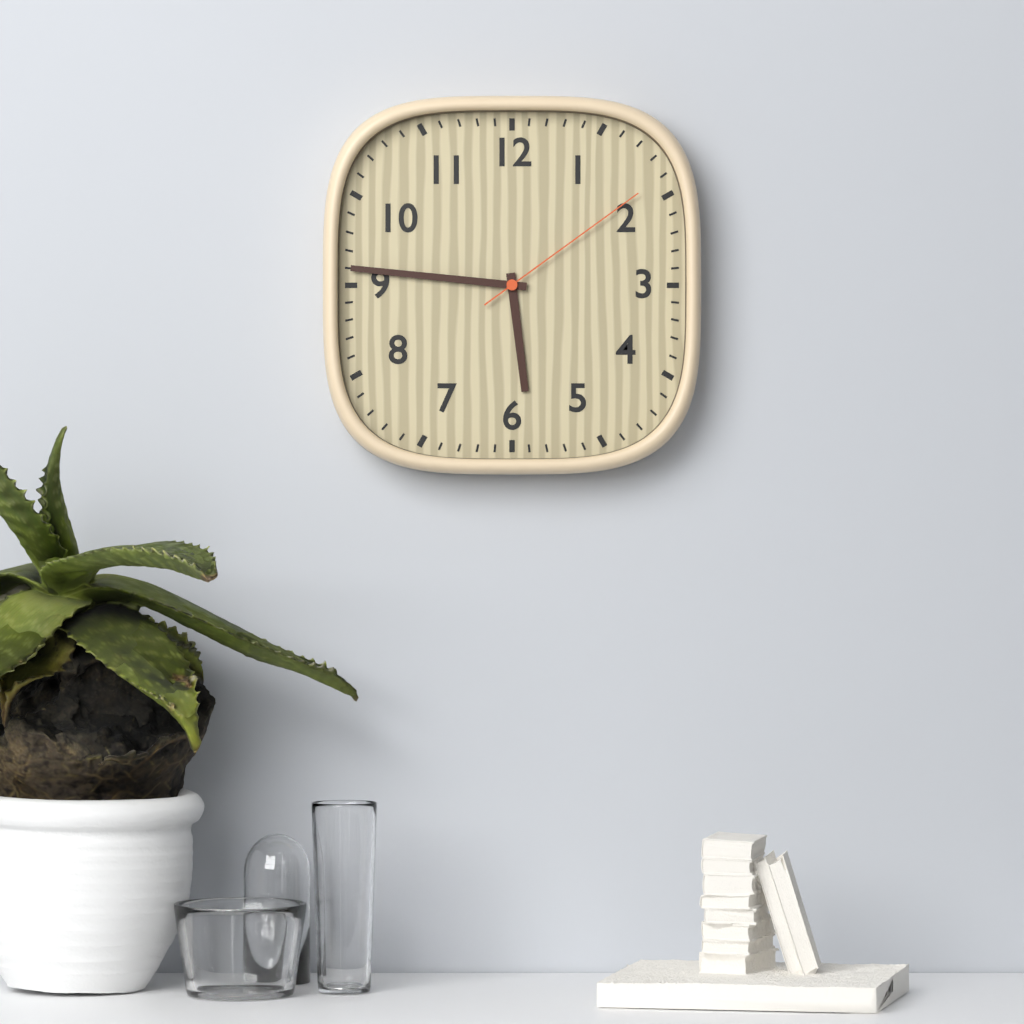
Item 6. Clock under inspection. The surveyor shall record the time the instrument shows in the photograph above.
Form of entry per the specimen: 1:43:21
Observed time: 5:46:09
